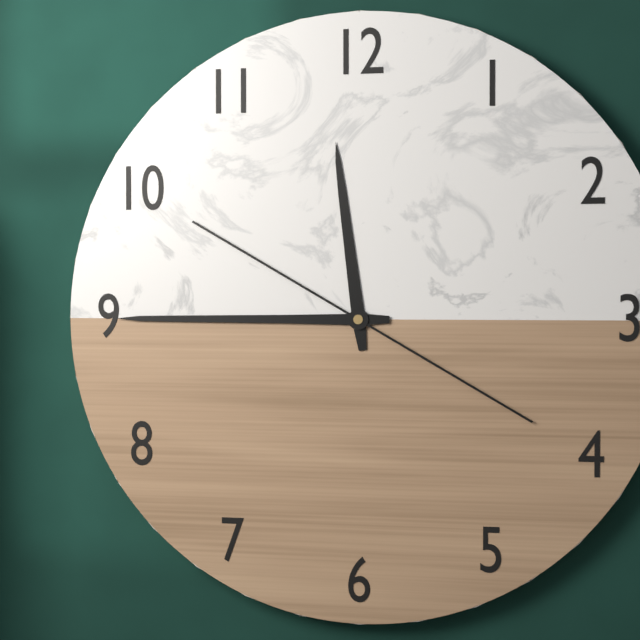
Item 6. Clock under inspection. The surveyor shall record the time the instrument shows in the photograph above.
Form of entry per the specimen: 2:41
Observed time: 11:45
